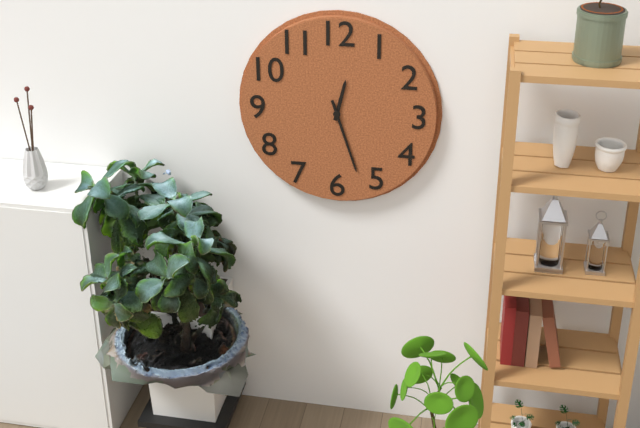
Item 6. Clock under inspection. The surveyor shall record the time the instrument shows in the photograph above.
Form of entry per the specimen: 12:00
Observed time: 12:27
